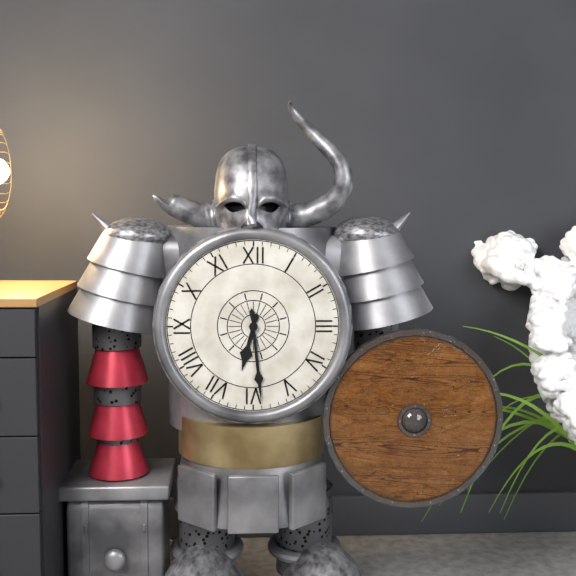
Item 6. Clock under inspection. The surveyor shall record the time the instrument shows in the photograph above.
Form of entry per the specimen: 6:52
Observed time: 6:29
